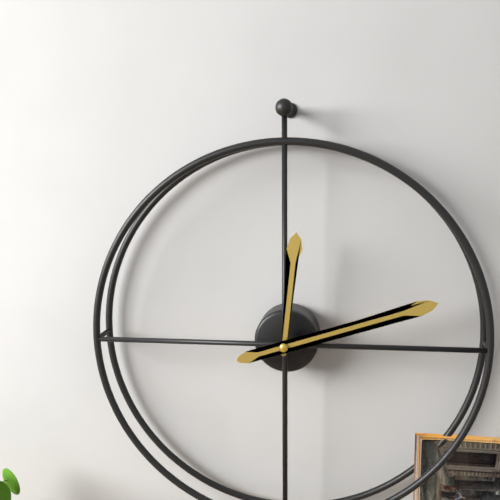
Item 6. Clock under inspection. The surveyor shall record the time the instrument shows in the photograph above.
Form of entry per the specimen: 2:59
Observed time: 12:12
